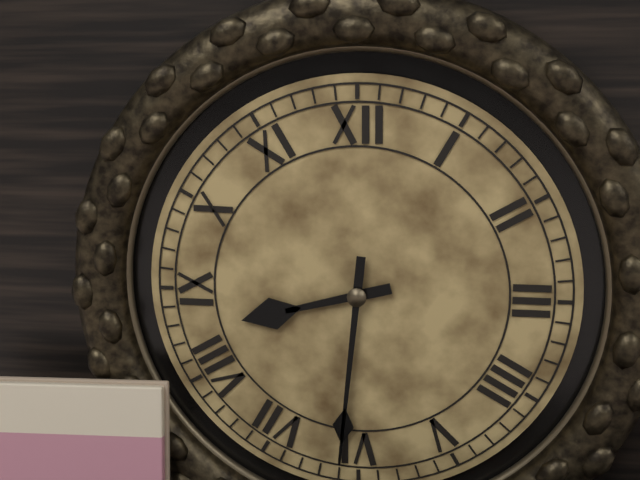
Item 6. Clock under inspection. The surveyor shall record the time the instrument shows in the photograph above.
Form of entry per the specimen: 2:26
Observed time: 8:31
